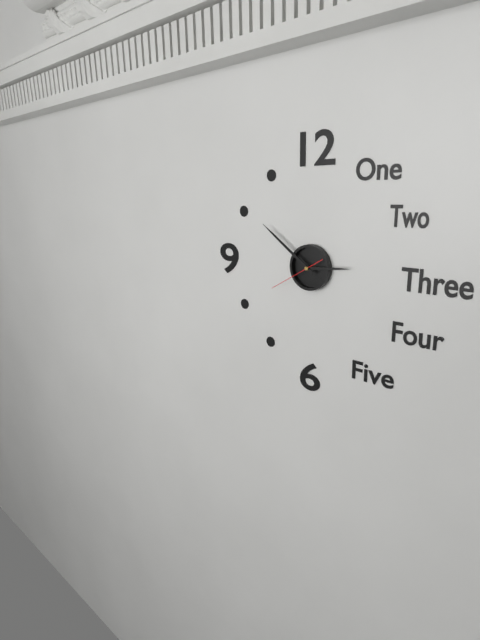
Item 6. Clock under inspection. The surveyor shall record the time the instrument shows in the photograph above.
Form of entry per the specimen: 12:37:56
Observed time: 2:51:40
